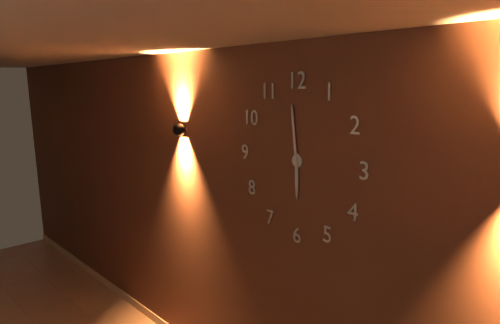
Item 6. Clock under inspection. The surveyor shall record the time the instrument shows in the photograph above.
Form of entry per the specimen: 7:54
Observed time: 5:59
